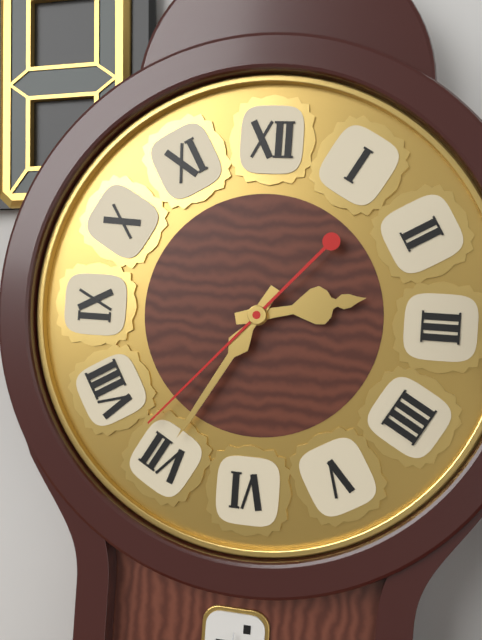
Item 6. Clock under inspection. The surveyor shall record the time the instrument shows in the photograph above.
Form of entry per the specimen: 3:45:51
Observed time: 2:35:37
